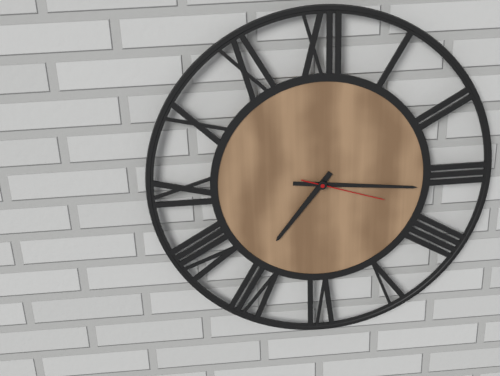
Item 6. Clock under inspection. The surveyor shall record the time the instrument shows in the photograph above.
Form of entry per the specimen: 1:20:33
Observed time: 7:16:18
